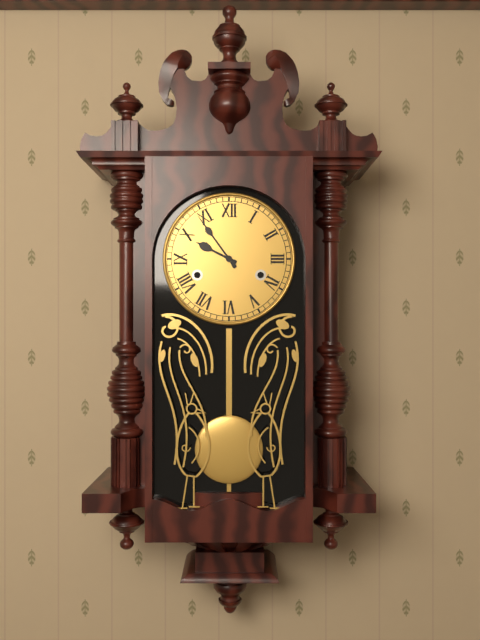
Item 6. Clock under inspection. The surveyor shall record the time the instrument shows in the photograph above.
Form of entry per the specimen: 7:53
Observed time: 9:54
